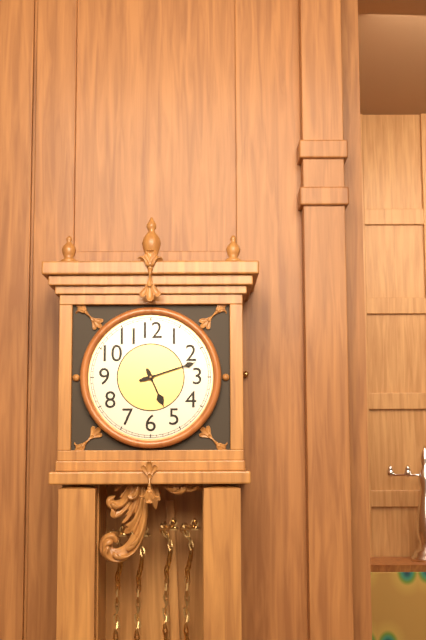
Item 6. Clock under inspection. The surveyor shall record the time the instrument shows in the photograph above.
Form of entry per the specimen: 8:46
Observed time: 5:12
